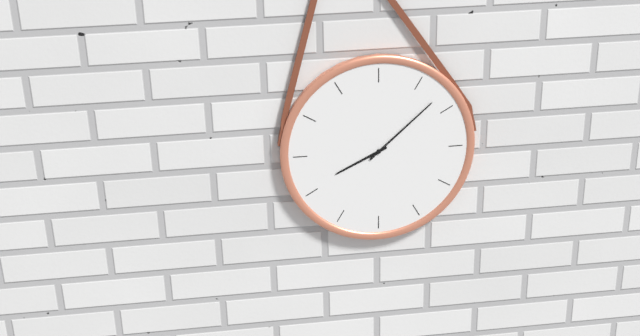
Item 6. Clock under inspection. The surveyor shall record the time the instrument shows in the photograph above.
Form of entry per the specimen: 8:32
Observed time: 8:08
